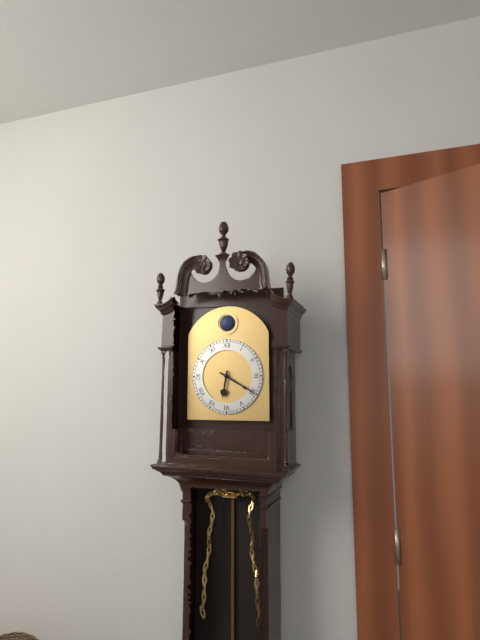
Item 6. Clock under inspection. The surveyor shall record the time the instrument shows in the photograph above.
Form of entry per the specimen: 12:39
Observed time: 6:20
